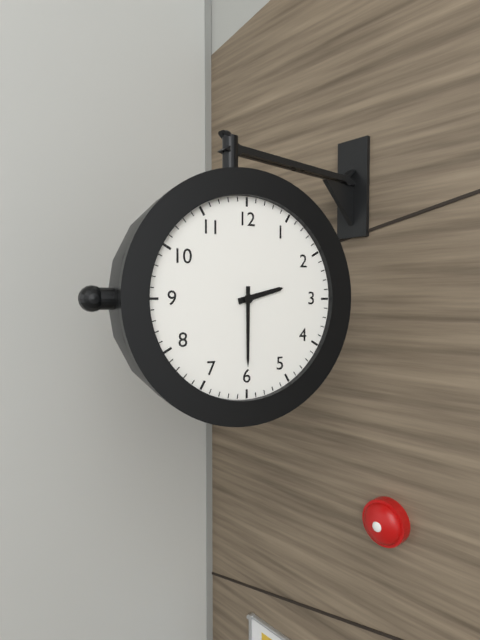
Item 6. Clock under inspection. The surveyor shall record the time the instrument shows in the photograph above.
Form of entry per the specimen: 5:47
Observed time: 2:30
